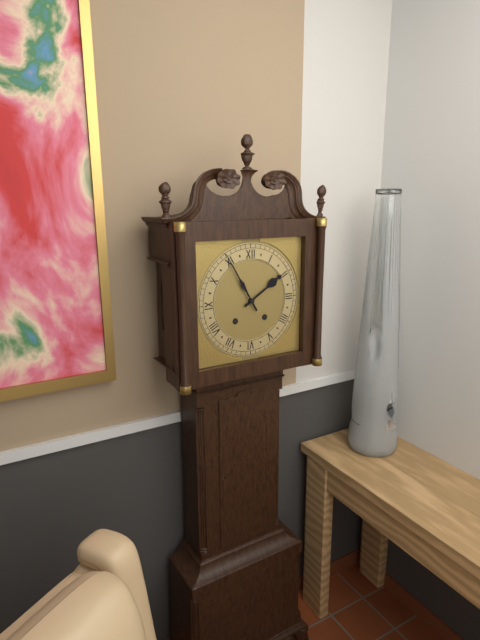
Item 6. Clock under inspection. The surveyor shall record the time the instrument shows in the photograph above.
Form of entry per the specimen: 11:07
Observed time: 1:55
